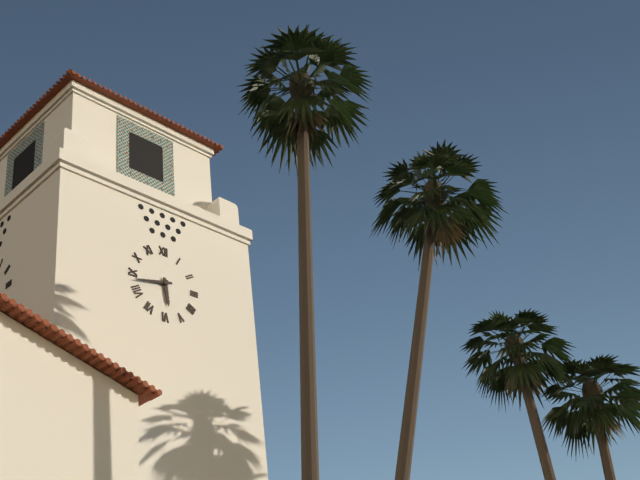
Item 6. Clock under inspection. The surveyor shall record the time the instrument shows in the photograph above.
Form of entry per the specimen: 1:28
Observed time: 5:43
